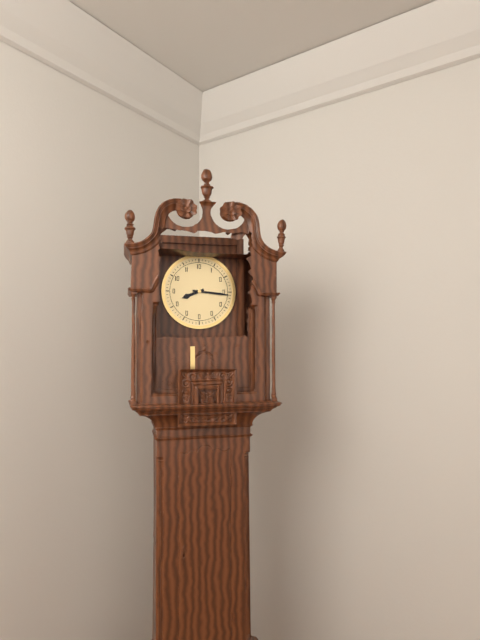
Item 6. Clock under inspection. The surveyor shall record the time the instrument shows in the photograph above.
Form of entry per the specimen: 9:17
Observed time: 8:16
